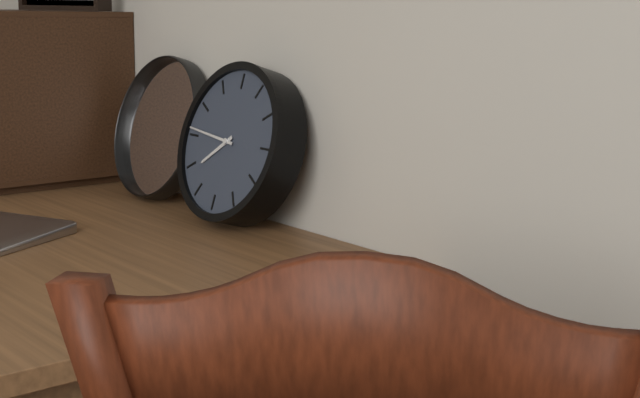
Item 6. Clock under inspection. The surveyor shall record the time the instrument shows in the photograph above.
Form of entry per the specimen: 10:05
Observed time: 7:46
